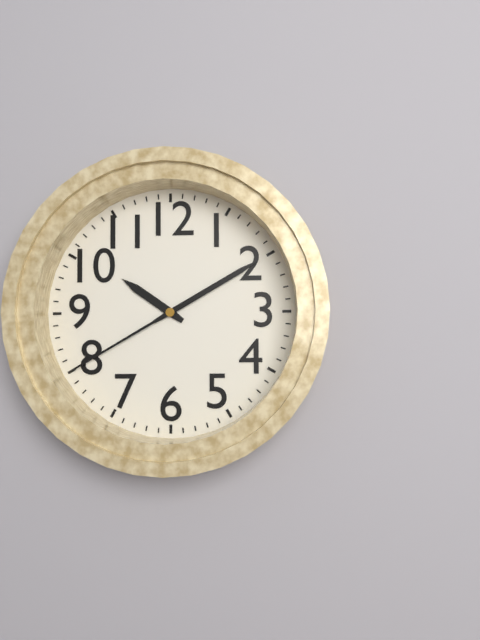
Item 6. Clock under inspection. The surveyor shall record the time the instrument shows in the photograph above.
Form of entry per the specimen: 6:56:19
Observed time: 10:10:40
